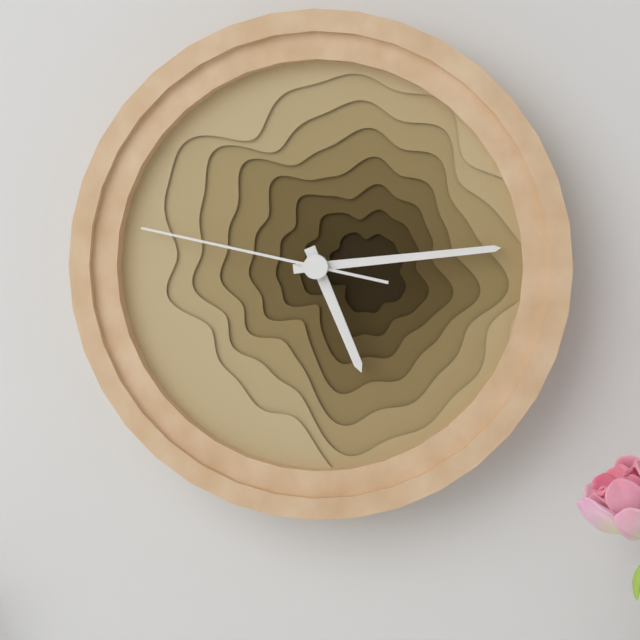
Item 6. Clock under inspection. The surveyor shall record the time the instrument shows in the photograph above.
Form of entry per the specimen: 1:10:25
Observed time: 5:14:47
